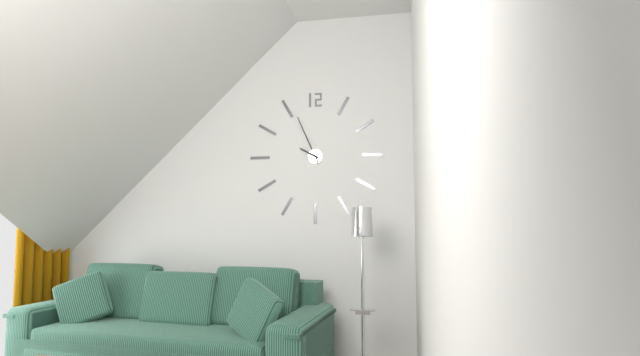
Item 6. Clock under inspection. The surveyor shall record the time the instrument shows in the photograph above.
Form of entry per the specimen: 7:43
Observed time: 9:56
